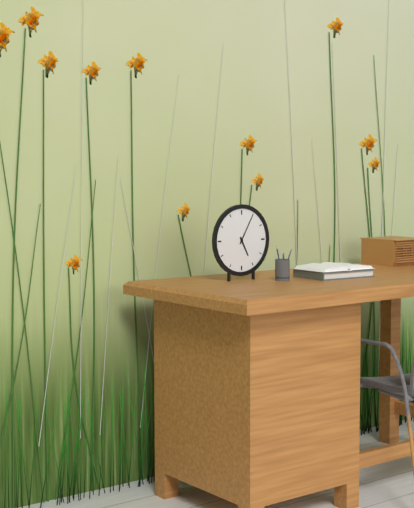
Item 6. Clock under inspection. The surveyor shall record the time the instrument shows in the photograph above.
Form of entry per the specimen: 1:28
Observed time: 5:05
